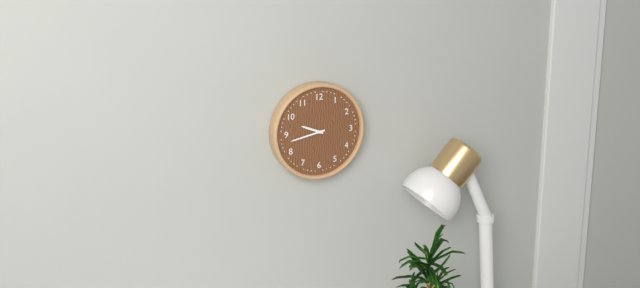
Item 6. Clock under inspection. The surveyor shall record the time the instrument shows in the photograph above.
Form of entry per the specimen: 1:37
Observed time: 9:43
